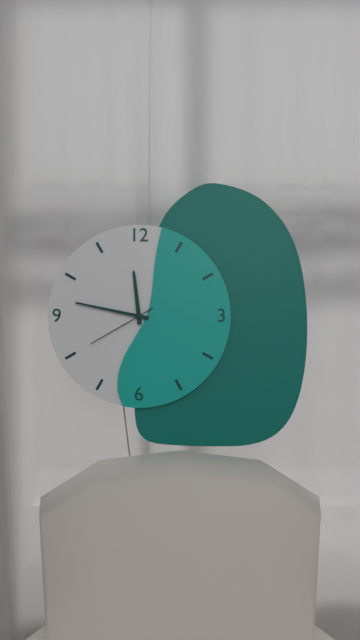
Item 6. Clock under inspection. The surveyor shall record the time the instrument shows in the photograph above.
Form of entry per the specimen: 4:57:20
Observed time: 11:47:40
